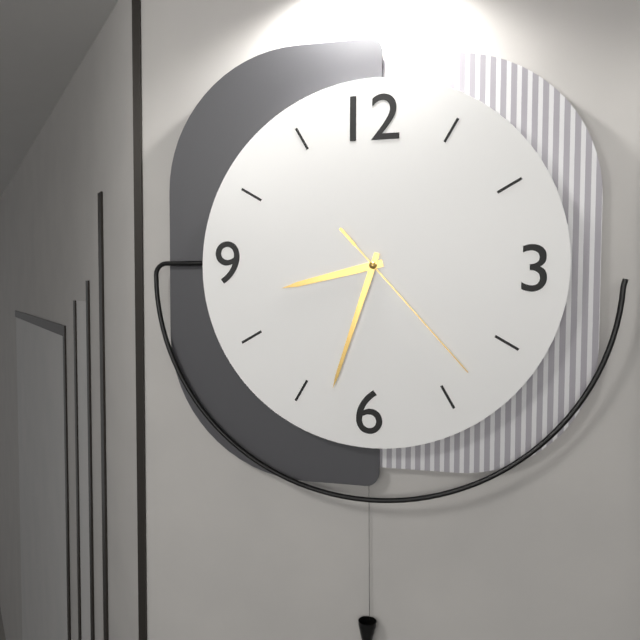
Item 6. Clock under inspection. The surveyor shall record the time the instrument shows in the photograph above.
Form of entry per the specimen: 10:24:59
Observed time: 8:33:23
